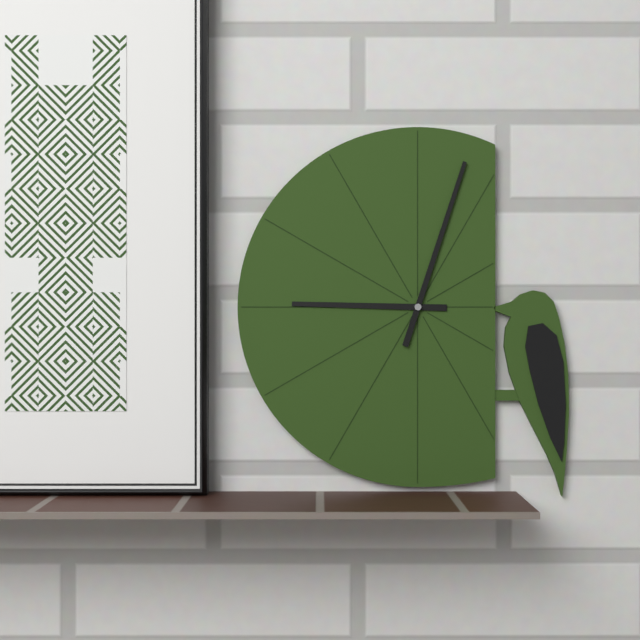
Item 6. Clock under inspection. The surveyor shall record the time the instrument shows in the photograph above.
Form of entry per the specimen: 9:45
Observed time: 9:03
